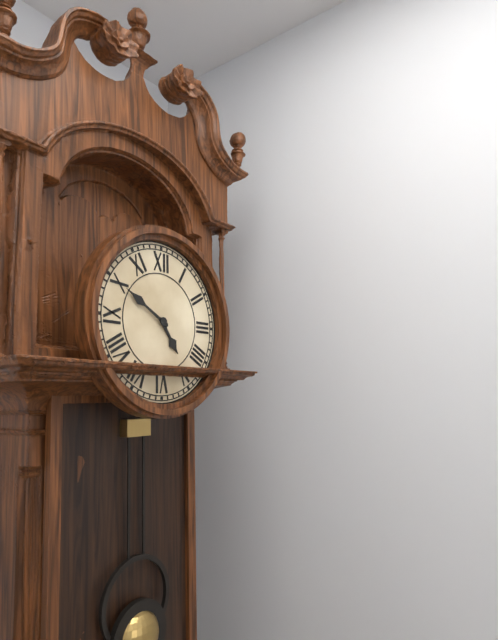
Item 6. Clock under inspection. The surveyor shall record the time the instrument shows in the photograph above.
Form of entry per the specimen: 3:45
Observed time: 4:50
